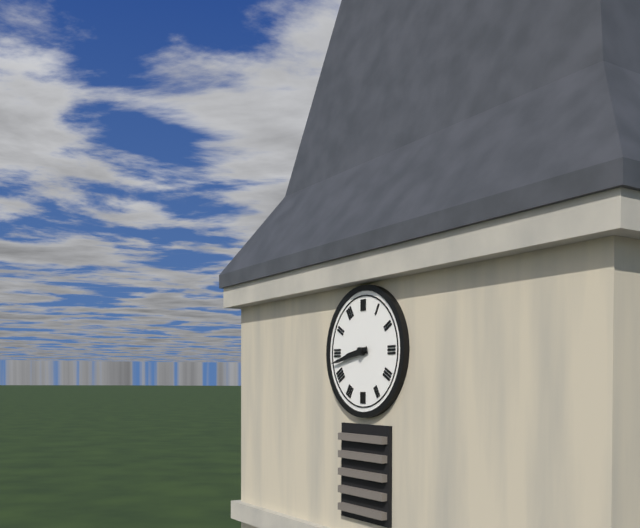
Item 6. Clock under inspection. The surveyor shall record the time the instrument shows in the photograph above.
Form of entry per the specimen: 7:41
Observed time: 8:43
